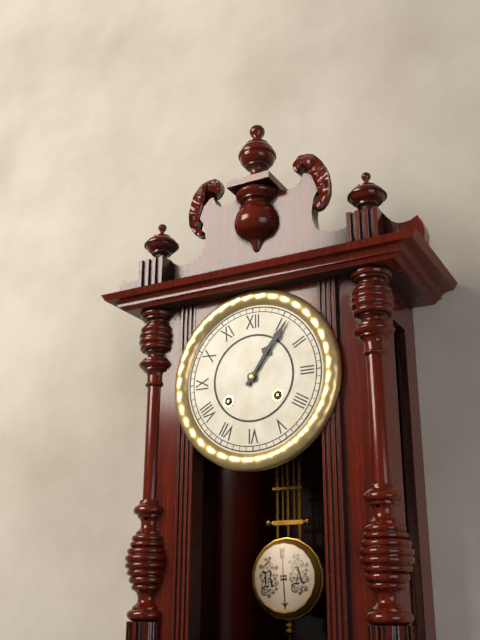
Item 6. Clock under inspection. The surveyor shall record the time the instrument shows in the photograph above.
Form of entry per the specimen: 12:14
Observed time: 1:06
